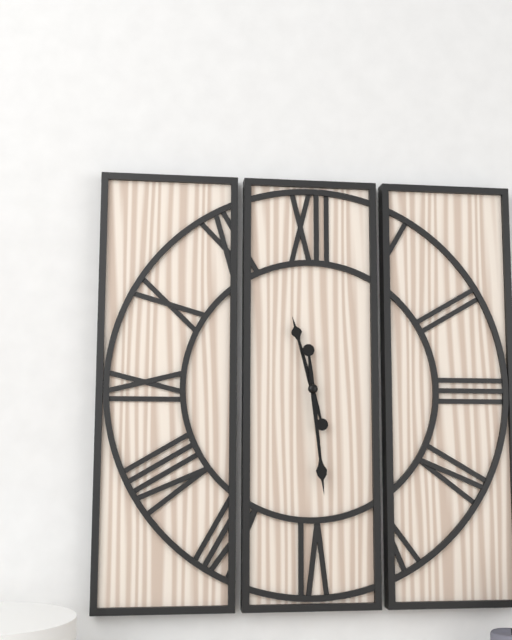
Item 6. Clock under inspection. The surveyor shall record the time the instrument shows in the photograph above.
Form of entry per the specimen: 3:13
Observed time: 11:29
